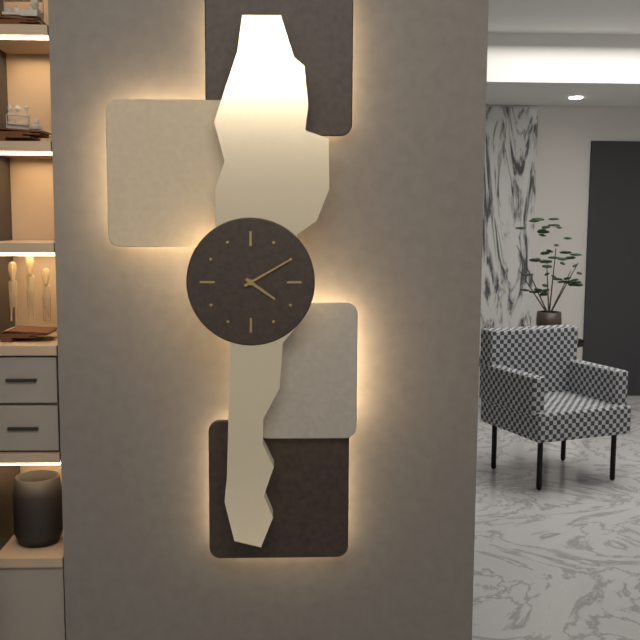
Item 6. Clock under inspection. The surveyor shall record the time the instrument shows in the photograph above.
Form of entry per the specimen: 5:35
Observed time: 4:10
